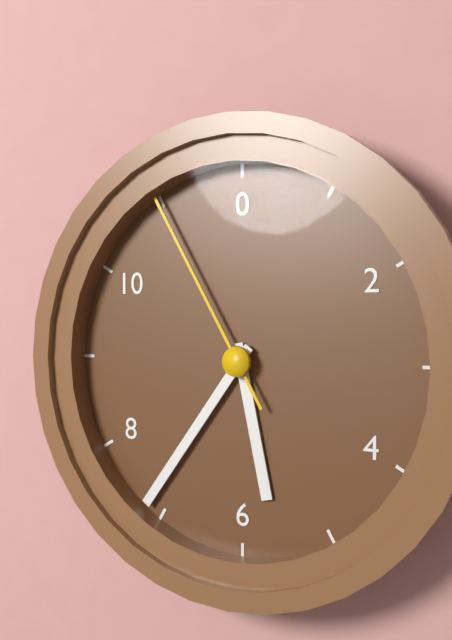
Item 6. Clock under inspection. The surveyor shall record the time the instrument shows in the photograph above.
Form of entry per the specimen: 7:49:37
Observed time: 5:36:55
